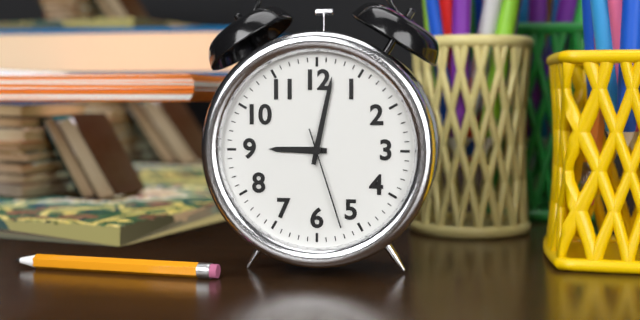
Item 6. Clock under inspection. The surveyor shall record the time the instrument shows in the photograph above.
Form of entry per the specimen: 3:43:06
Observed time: 9:02:27
